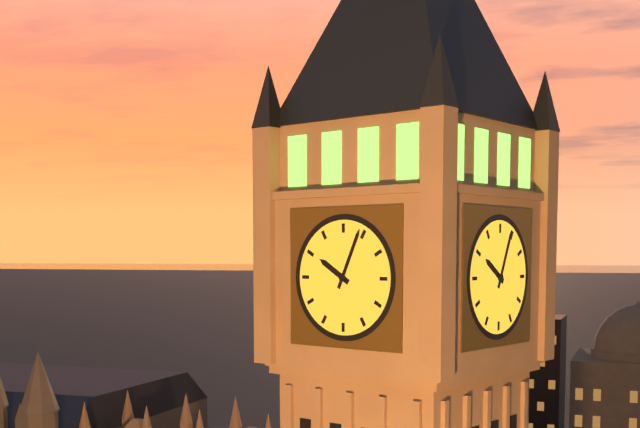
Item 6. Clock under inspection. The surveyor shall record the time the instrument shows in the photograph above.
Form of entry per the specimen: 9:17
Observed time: 10:04
